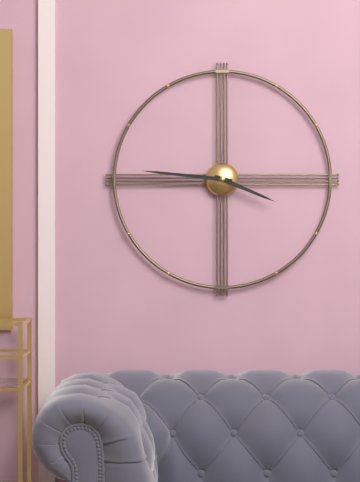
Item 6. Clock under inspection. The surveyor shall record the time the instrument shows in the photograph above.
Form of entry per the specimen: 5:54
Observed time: 3:46
